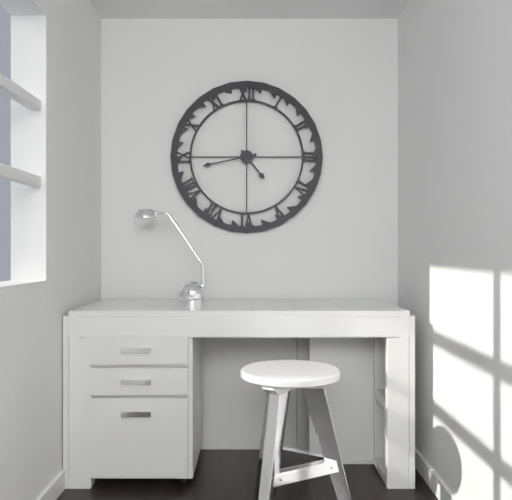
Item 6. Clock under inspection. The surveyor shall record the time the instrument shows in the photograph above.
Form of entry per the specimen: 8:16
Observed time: 4:43
